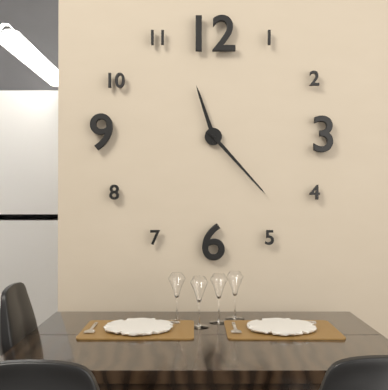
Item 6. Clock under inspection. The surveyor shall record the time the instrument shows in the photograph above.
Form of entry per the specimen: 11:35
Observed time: 11:23
